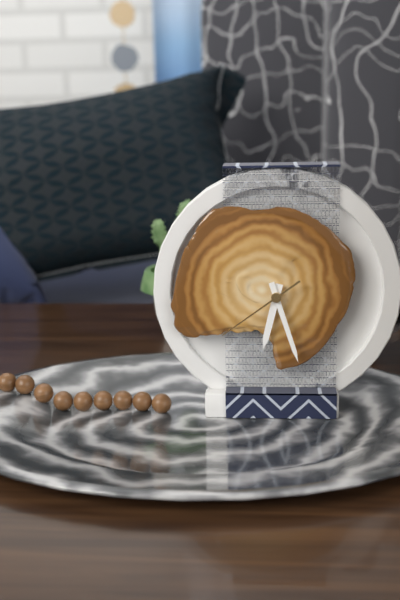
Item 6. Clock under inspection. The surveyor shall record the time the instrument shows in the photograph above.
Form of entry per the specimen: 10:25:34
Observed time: 6:27:39
